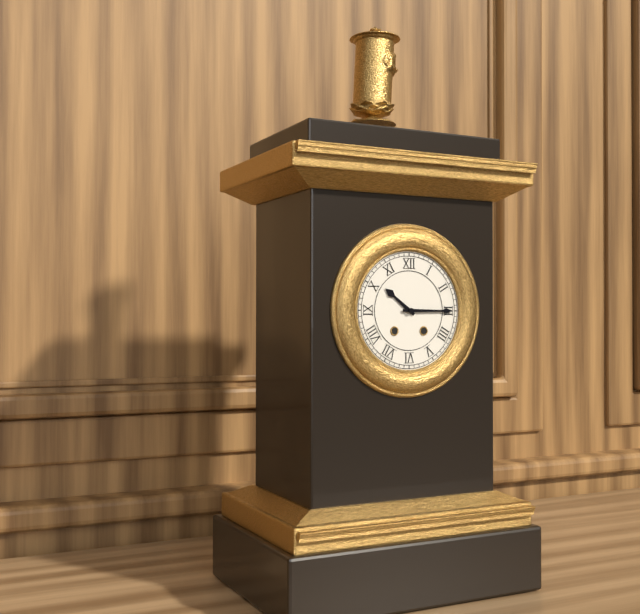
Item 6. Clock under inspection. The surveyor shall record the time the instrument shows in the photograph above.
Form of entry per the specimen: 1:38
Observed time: 10:15
